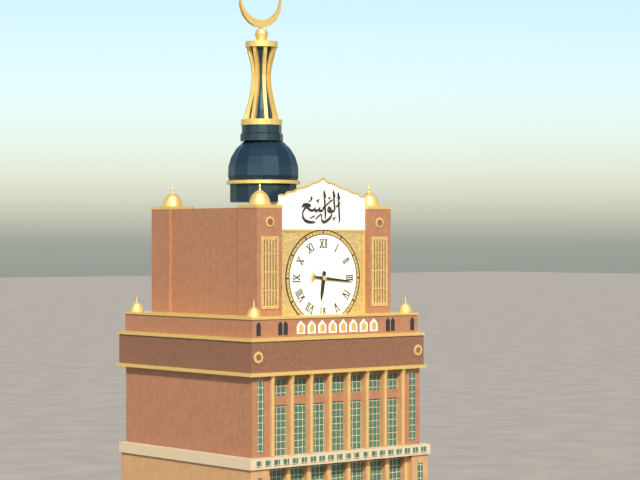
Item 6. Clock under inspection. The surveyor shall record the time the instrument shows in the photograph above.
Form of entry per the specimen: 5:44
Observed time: 6:16
